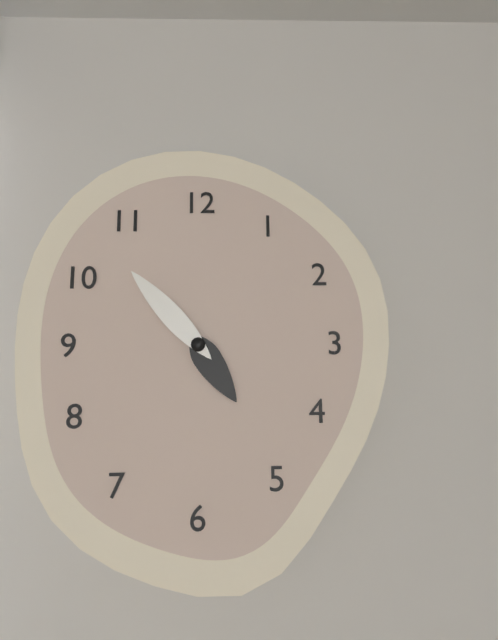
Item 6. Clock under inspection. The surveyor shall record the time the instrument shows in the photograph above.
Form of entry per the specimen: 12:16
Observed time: 4:53
